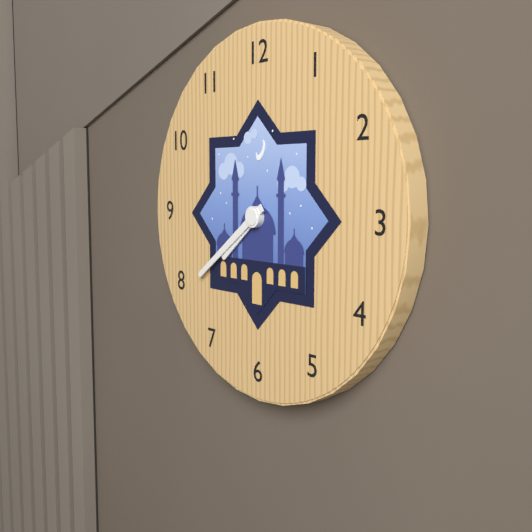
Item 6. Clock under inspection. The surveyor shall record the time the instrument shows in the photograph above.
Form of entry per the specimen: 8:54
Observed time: 7:39
